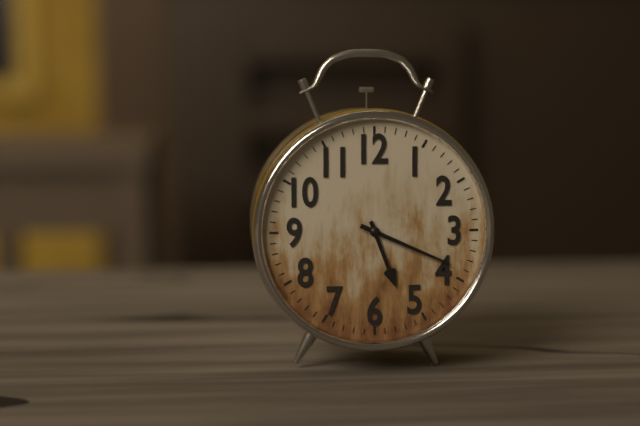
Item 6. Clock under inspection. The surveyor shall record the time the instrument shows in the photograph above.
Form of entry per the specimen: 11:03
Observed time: 5:19
